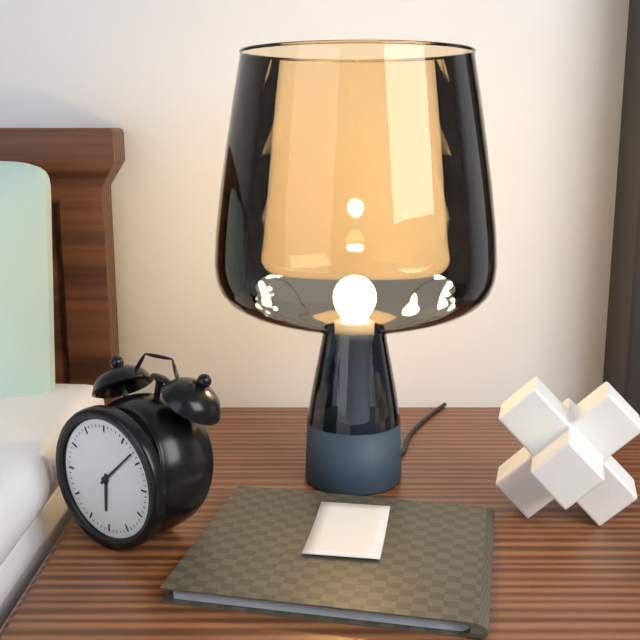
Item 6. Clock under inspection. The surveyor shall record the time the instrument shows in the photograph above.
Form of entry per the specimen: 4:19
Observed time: 6:08
